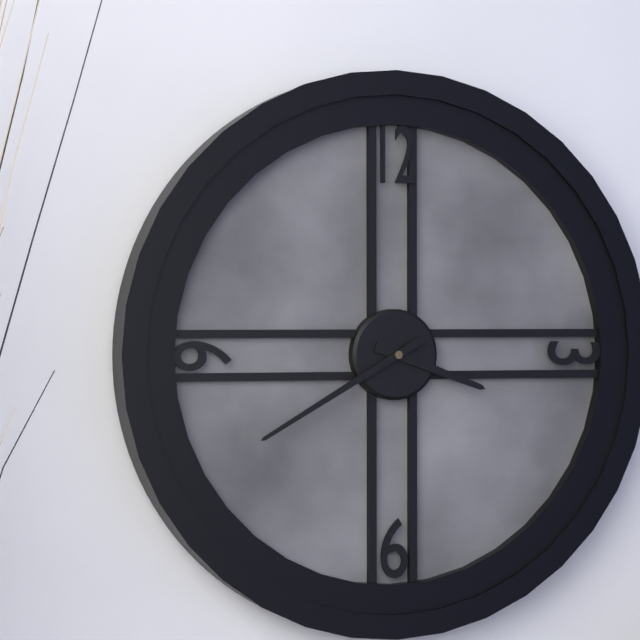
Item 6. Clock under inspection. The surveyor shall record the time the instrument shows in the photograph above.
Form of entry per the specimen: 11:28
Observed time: 3:40
